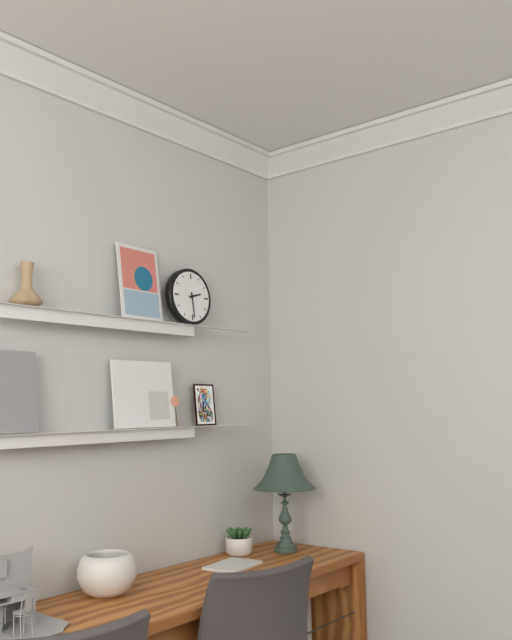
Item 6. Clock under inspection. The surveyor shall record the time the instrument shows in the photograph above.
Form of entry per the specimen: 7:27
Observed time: 2:29
